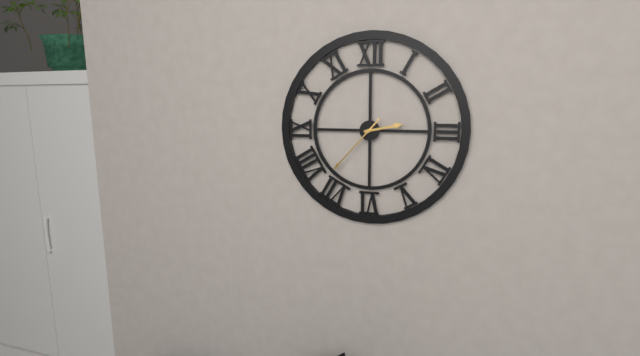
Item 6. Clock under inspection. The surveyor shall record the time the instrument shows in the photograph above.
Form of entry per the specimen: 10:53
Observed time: 2:37
